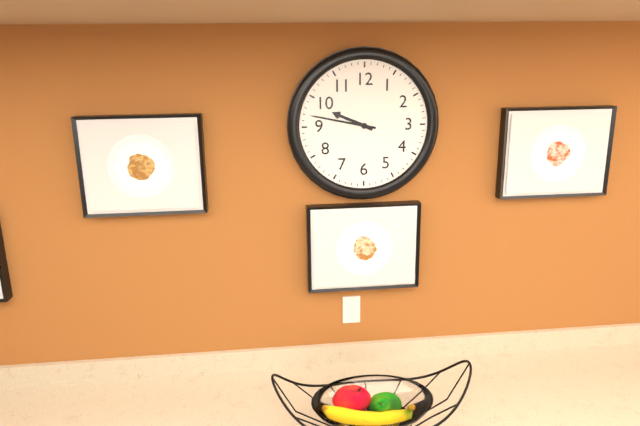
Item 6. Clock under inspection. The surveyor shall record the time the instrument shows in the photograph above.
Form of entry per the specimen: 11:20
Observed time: 9:47
